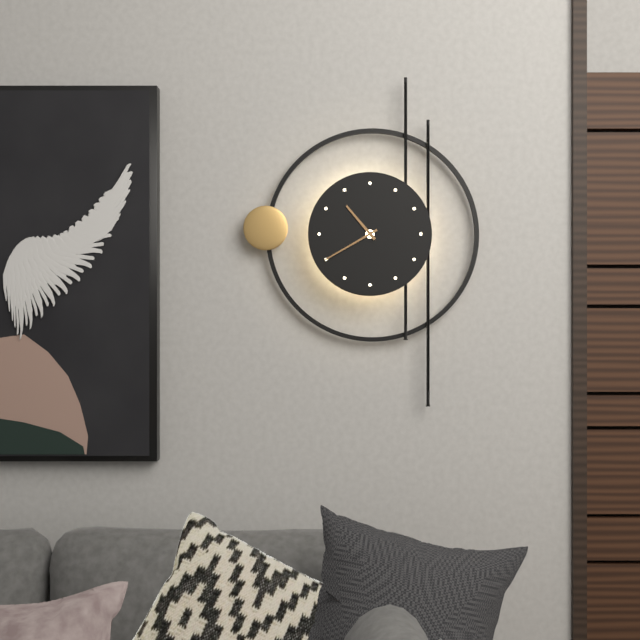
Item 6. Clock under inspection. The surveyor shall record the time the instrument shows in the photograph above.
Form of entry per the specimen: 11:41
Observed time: 10:40
